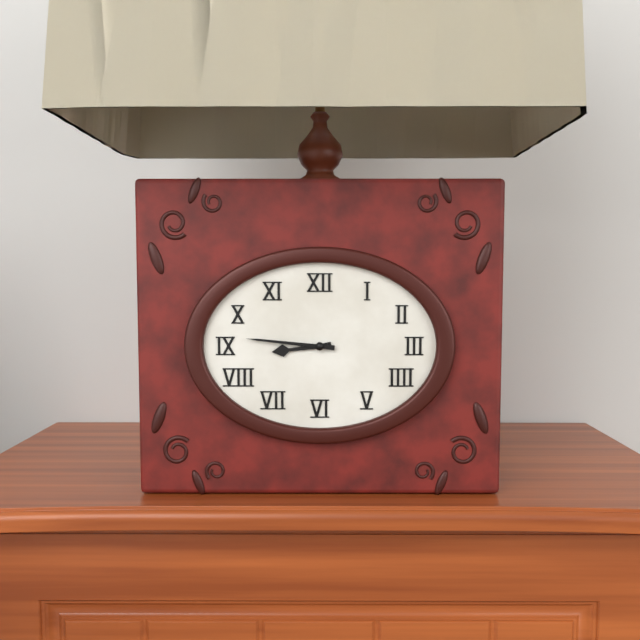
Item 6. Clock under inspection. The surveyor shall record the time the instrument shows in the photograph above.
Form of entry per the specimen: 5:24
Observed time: 8:46
